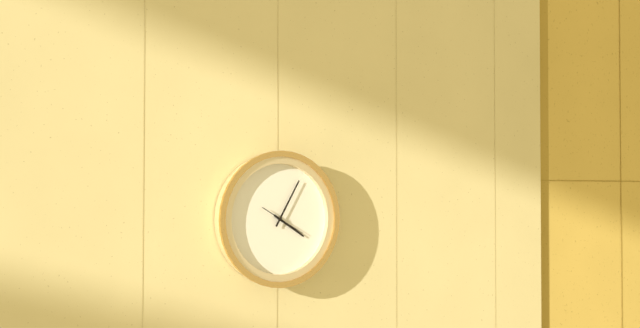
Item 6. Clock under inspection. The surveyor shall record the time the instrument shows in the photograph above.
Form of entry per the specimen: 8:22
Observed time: 4:05
